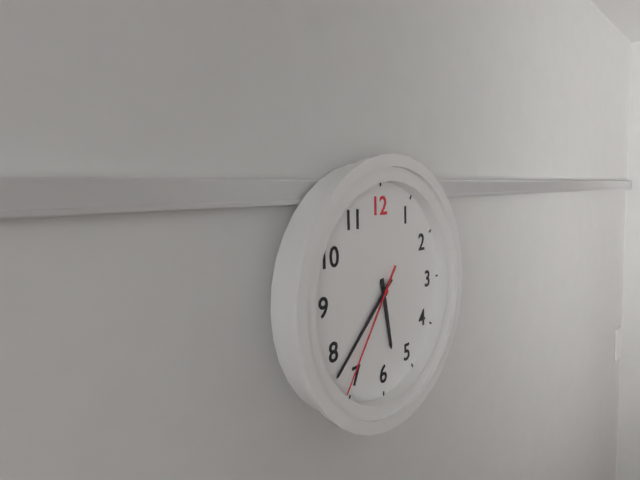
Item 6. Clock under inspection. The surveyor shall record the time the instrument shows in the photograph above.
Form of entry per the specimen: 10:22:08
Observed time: 5:38:36
